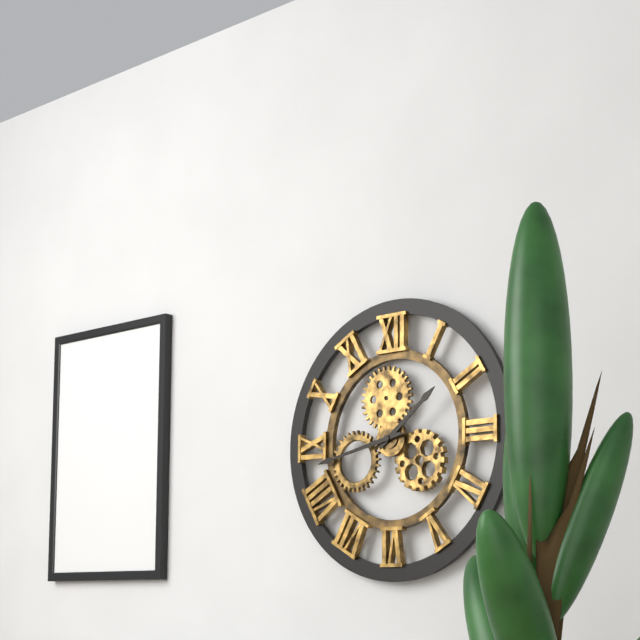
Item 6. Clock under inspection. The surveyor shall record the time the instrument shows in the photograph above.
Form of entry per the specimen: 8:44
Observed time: 1:43
